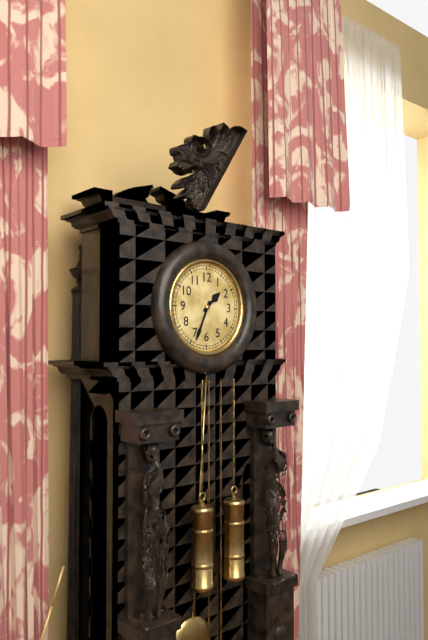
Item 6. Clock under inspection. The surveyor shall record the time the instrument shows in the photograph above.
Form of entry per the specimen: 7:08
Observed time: 1:34
